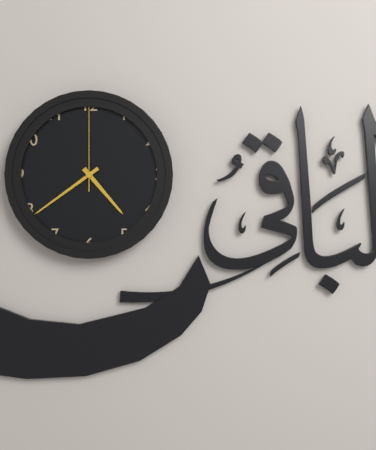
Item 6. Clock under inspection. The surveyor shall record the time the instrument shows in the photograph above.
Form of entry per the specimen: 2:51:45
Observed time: 4:39:00
